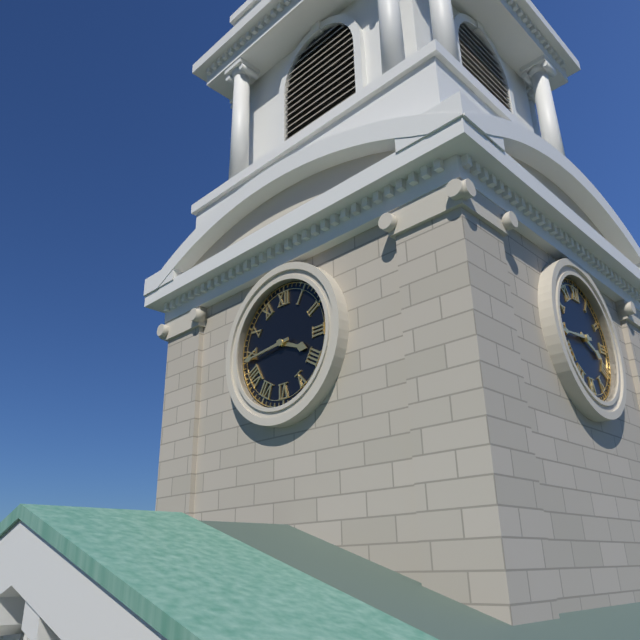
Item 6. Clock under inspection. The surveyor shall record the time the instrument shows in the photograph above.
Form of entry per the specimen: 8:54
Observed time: 3:44
